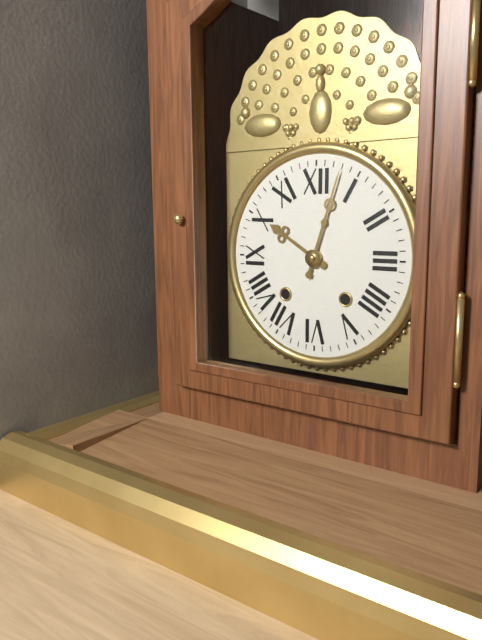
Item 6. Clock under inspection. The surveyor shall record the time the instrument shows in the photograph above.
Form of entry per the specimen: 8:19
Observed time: 10:03
